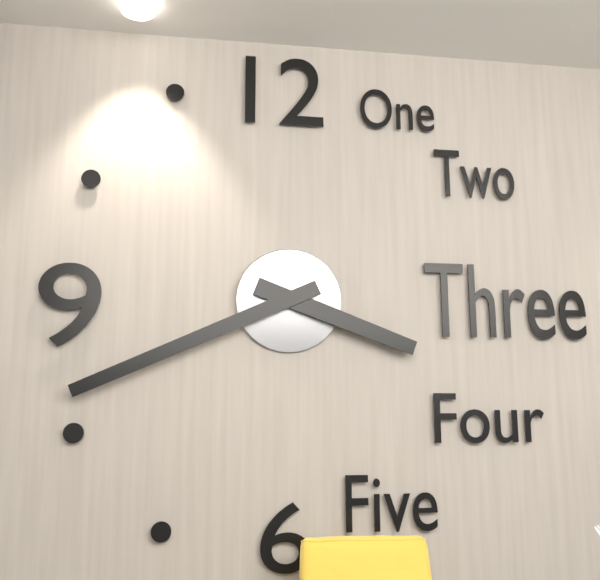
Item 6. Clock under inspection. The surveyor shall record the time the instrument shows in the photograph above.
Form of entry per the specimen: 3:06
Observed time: 3:41
